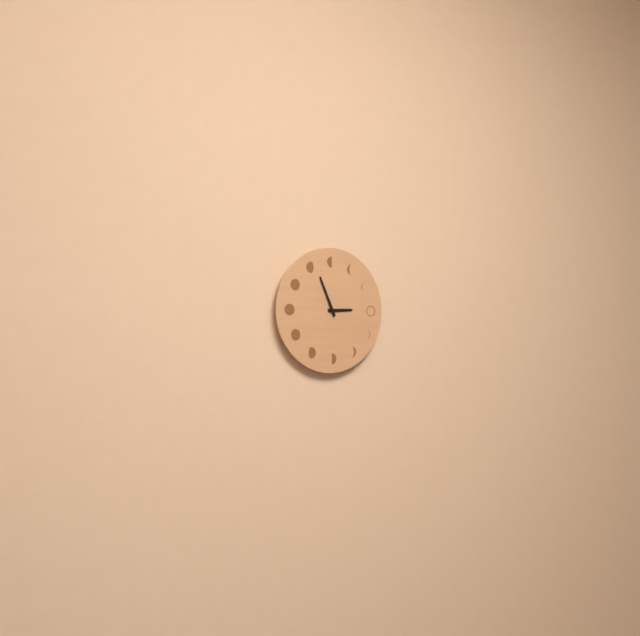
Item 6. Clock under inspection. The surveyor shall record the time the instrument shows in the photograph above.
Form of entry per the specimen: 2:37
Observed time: 2:56
